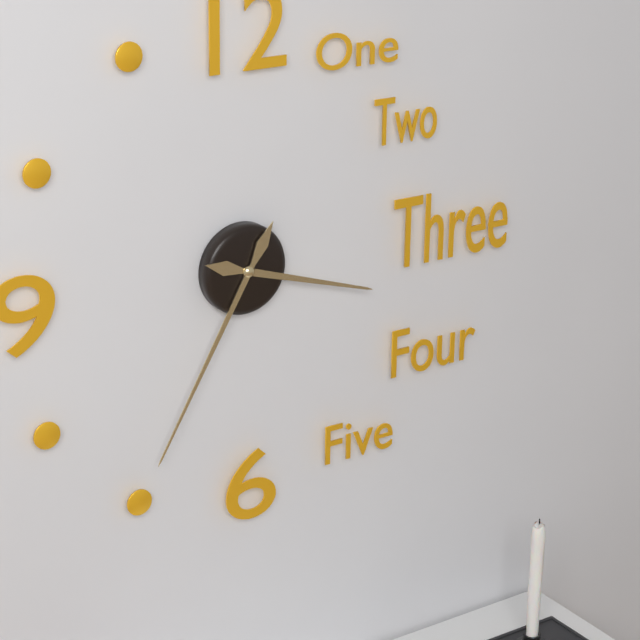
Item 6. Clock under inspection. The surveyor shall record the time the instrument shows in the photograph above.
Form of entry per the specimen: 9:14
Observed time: 3:35
